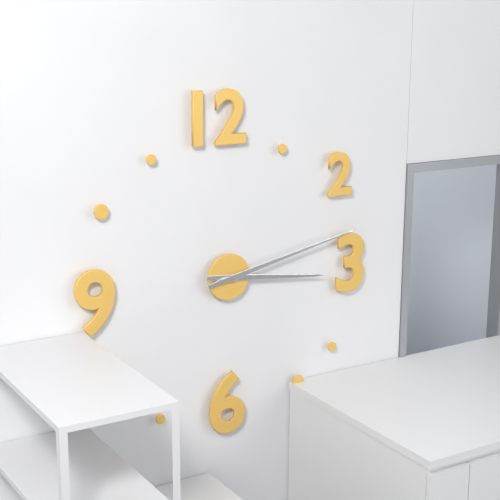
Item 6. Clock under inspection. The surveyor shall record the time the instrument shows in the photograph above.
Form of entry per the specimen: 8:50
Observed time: 3:13
